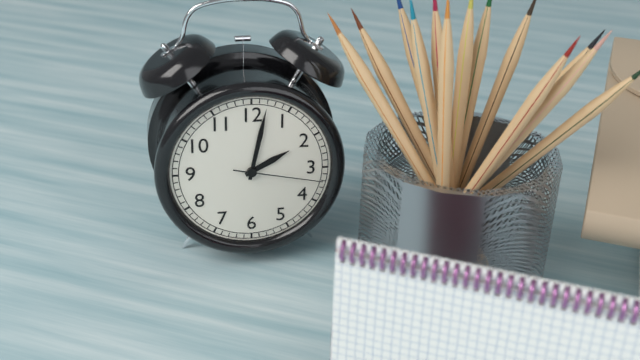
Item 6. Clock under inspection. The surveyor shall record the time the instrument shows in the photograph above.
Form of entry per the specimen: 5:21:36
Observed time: 2:02:17
